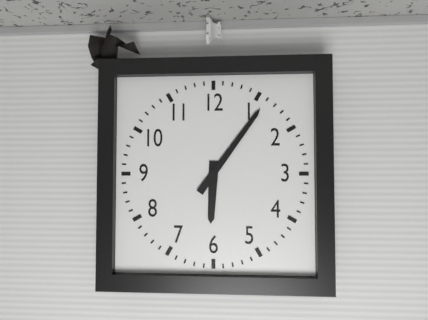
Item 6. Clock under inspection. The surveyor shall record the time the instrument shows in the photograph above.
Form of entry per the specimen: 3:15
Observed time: 6:06
